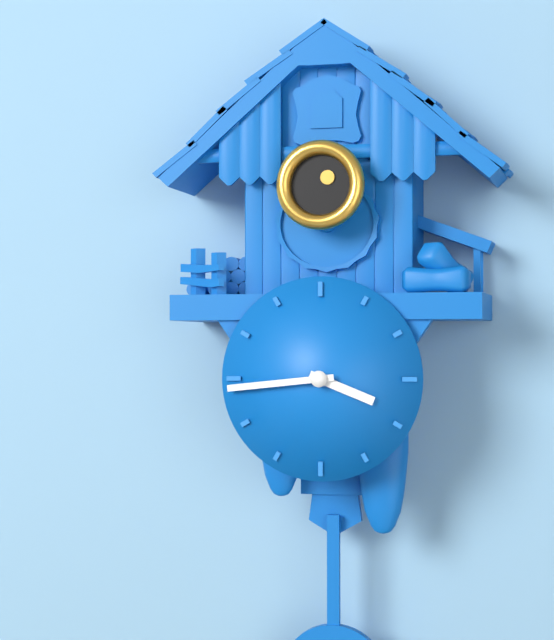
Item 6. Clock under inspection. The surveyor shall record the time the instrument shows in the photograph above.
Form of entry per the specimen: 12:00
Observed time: 3:44
